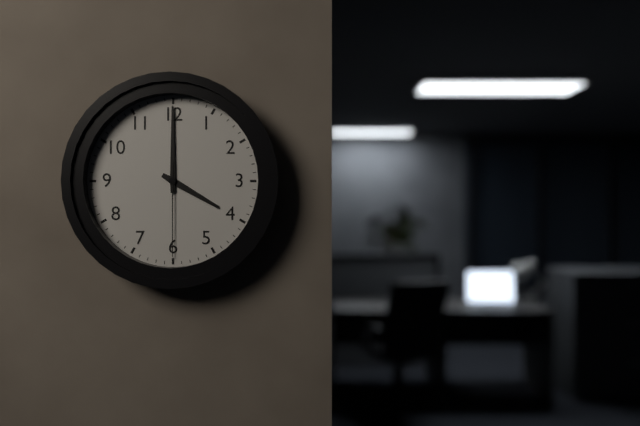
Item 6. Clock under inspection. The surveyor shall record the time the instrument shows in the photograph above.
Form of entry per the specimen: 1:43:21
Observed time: 4:00:30
